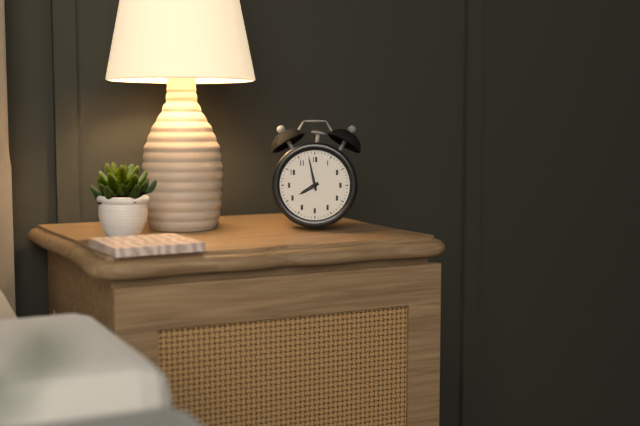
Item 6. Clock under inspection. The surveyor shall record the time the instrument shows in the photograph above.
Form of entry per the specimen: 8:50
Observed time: 7:58
